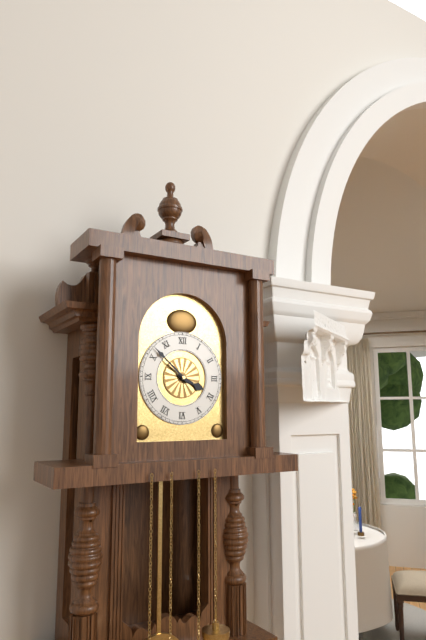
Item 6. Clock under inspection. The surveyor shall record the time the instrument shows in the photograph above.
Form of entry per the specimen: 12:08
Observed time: 3:52
